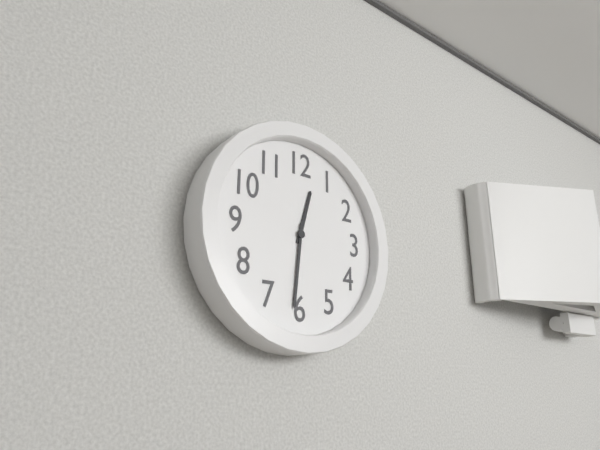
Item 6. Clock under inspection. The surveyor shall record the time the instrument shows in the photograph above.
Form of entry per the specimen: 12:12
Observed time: 12:31
